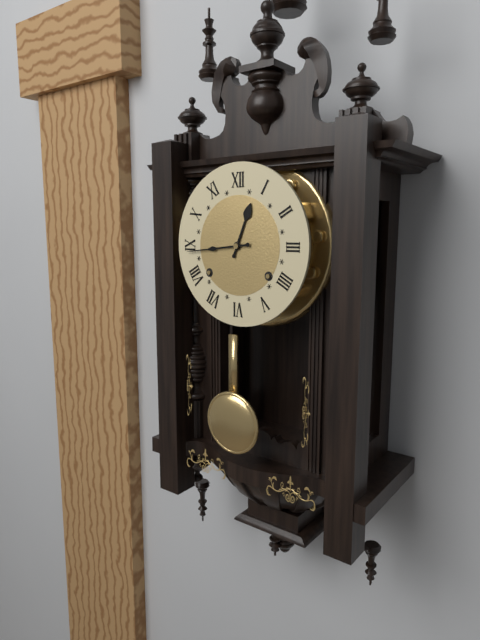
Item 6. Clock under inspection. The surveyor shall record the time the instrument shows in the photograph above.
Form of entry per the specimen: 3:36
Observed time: 12:44
